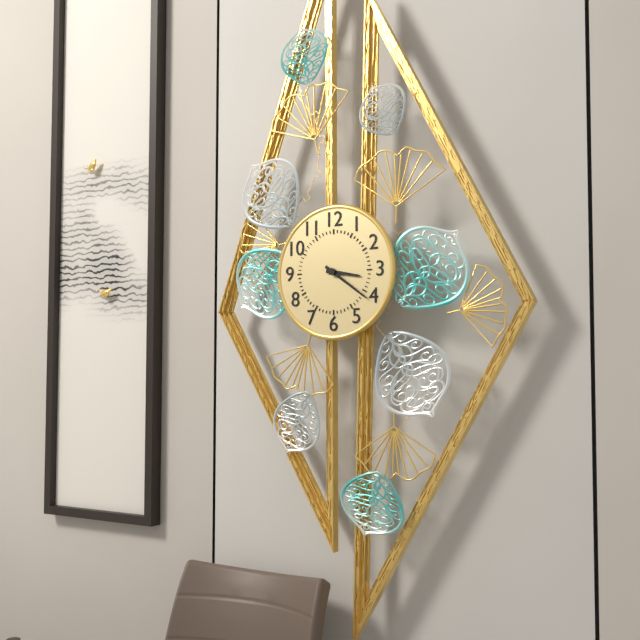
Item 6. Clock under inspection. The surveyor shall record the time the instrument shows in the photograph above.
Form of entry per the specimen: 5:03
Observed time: 3:21
